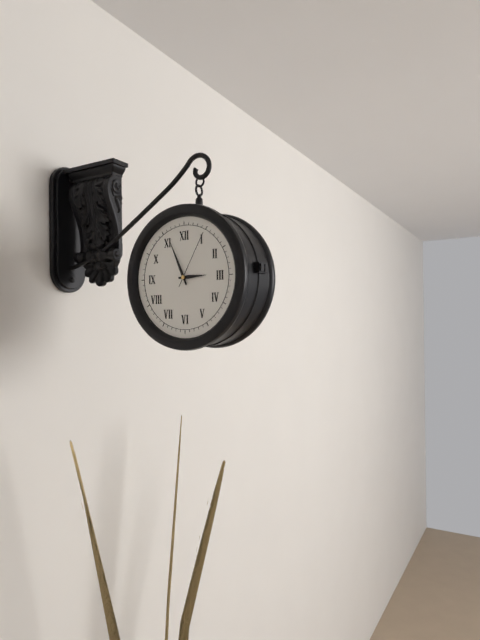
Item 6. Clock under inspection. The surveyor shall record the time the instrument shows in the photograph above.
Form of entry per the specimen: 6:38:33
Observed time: 2:56:05
